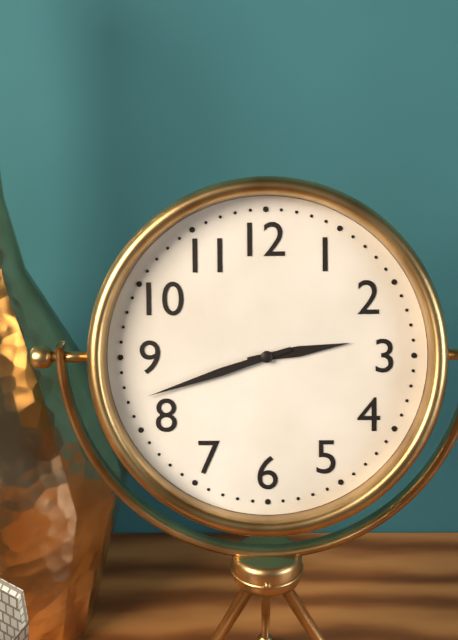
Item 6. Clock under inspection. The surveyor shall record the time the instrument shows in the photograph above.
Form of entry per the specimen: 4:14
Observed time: 2:42
